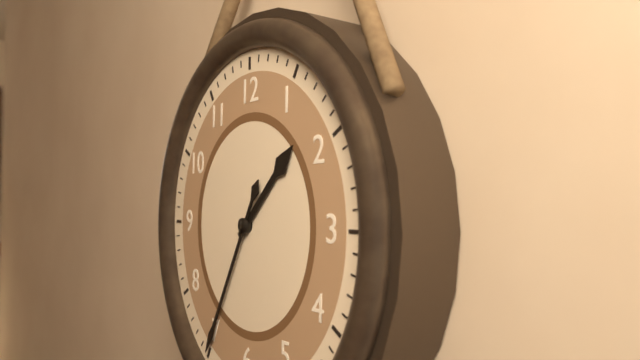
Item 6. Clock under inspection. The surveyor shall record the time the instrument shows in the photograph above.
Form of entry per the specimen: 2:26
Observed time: 1:35
